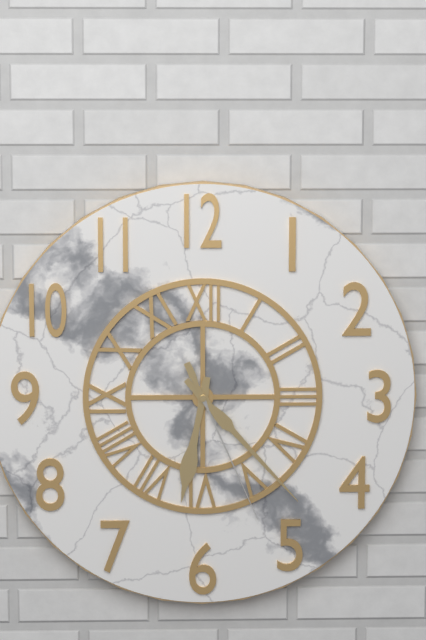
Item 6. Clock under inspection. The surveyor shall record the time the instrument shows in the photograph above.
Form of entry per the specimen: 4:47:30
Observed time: 6:23:26
